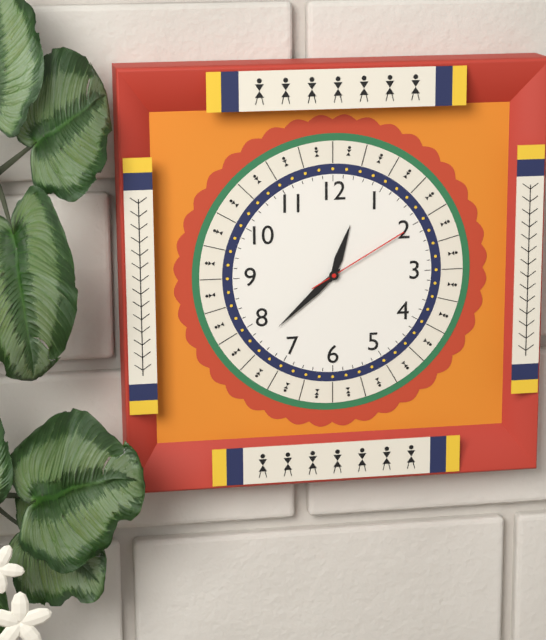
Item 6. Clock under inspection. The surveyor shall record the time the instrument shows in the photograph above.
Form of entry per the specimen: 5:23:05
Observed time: 12:38:10
